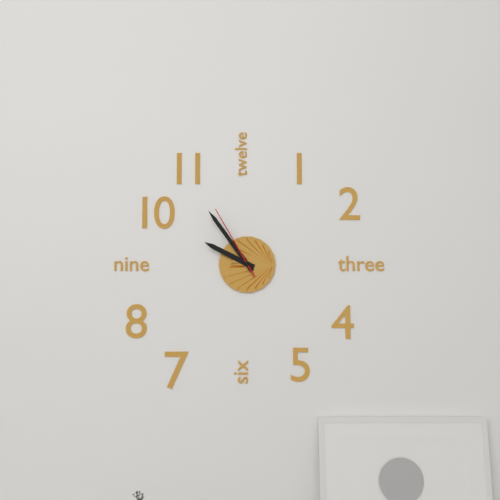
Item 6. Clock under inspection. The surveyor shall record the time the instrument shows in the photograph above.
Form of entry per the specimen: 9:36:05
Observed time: 9:54:55
